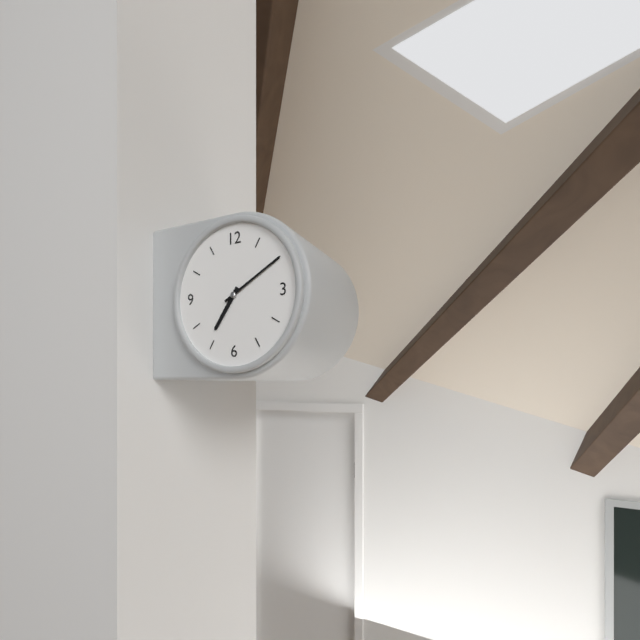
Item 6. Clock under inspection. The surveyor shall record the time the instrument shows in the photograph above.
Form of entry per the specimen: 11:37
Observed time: 7:10
